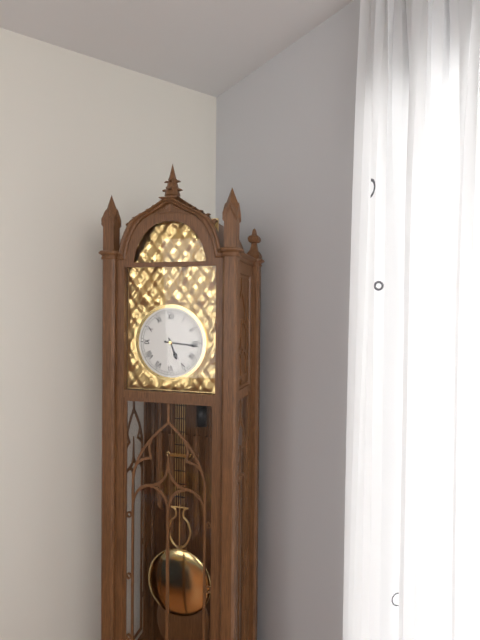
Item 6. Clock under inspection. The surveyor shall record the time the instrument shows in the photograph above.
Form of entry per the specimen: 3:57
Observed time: 5:16
